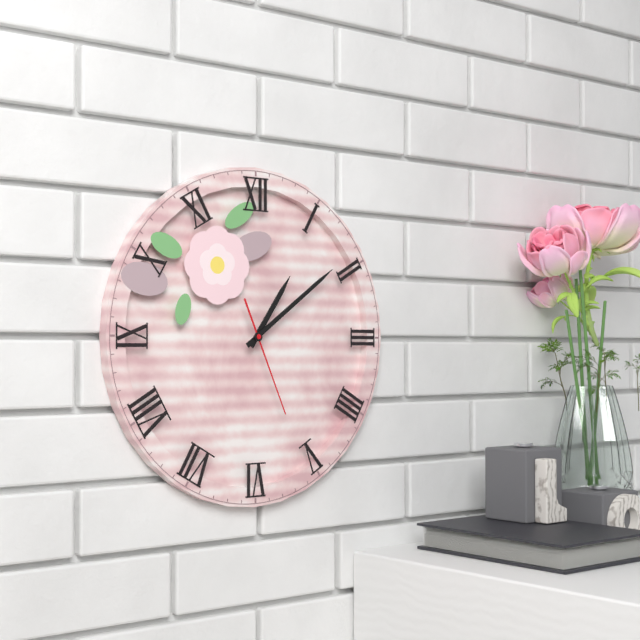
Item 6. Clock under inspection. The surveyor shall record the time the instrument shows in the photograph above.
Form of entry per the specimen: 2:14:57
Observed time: 1:09:26
